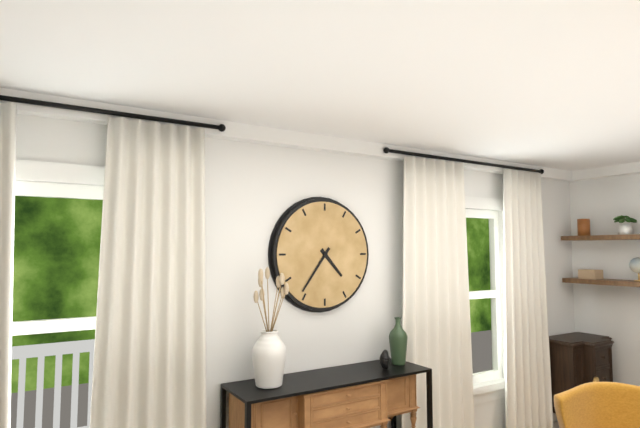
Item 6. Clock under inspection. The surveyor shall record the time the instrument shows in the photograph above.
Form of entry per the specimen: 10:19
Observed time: 4:36
